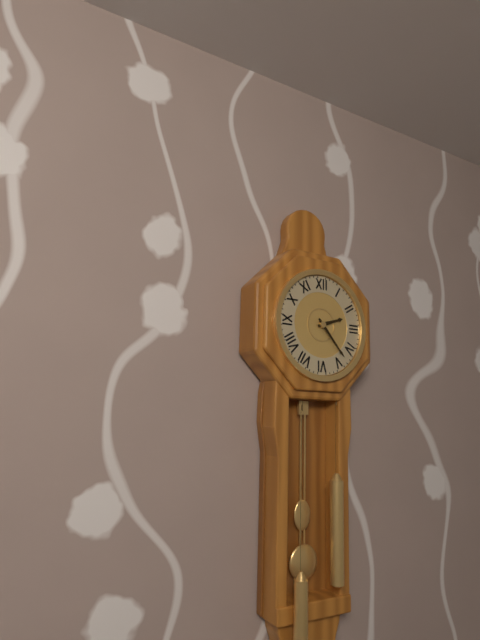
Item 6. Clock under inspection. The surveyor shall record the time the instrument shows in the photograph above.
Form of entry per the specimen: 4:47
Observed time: 2:23
